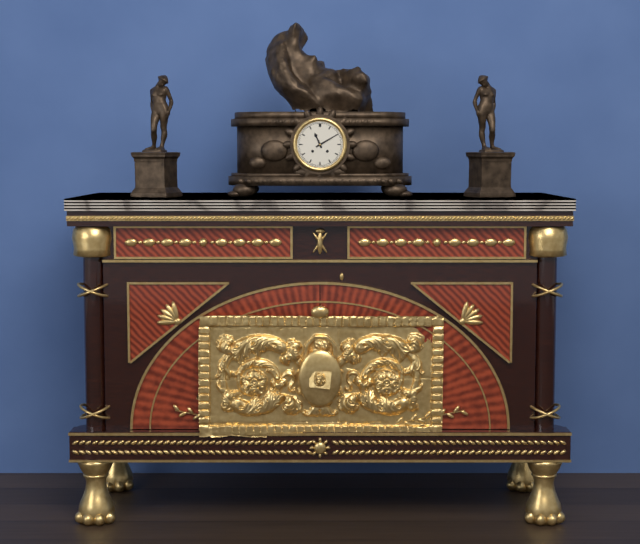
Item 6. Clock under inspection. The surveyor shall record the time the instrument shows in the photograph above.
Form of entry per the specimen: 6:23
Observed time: 11:10
